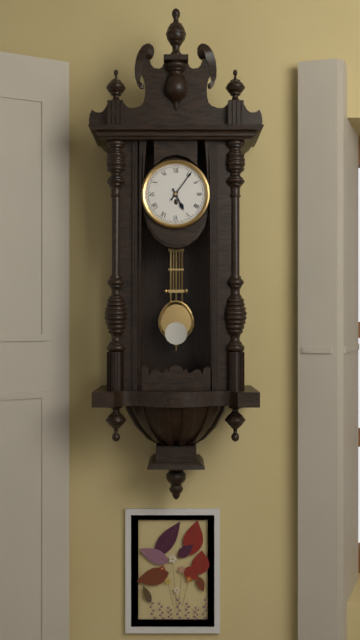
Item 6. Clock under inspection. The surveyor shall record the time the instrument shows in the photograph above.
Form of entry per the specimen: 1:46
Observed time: 5:06
